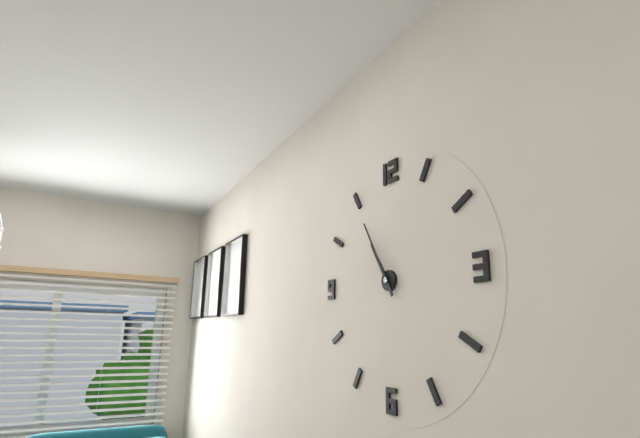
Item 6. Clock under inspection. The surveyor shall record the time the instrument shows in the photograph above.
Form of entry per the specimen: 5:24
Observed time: 10:55
